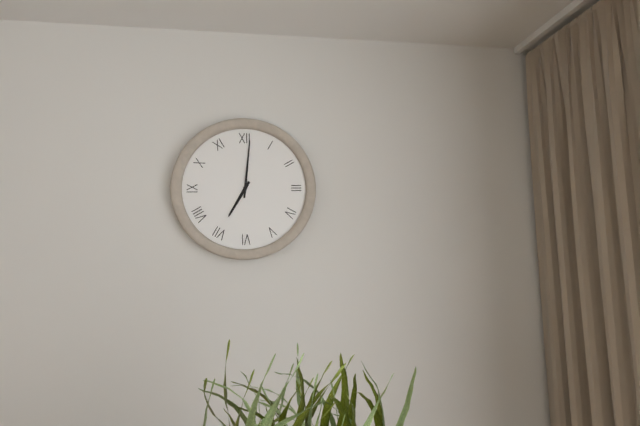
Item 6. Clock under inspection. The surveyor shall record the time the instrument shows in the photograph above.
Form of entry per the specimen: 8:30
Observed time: 7:01
